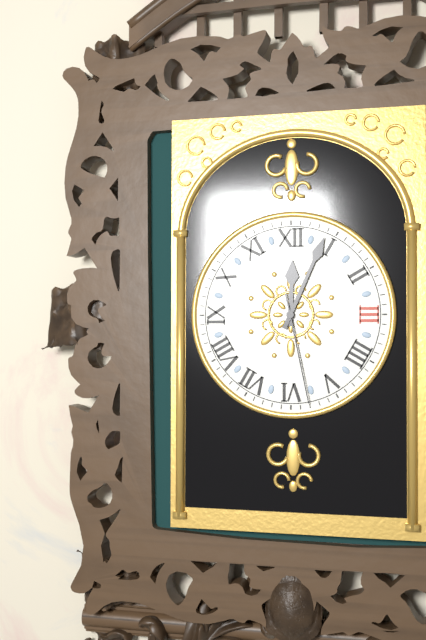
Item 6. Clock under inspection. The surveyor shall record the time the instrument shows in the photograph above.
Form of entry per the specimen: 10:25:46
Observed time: 12:04:28
